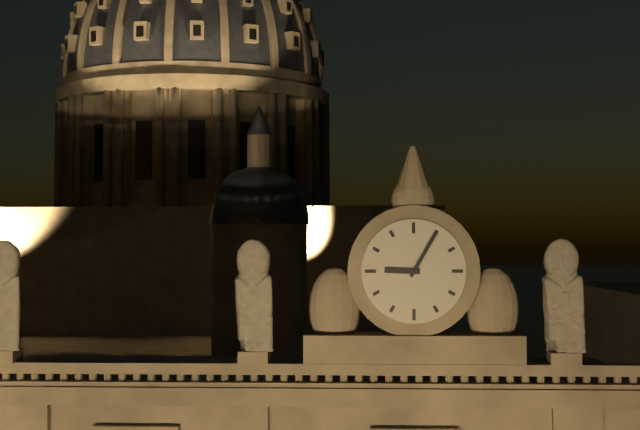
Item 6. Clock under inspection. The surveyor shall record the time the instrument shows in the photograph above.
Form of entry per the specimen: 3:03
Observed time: 9:05
